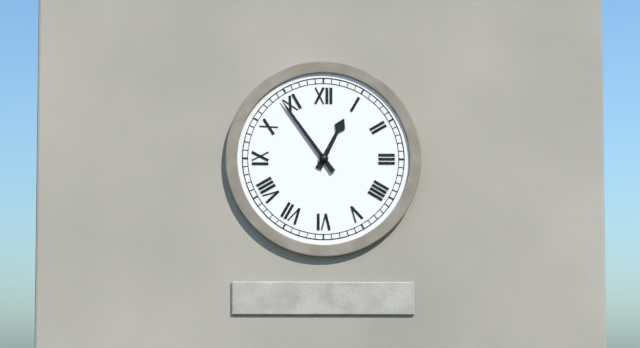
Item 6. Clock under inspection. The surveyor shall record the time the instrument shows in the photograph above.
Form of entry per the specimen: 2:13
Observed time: 12:54
